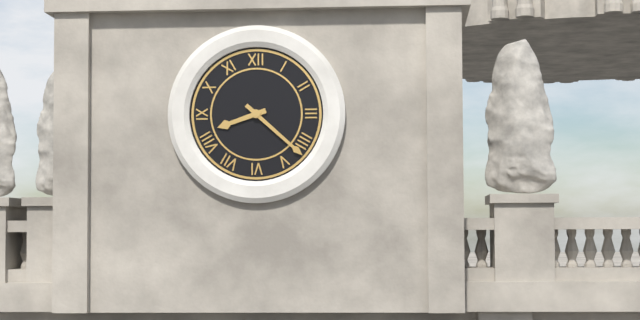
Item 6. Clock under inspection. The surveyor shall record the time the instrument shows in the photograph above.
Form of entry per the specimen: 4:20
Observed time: 8:22
